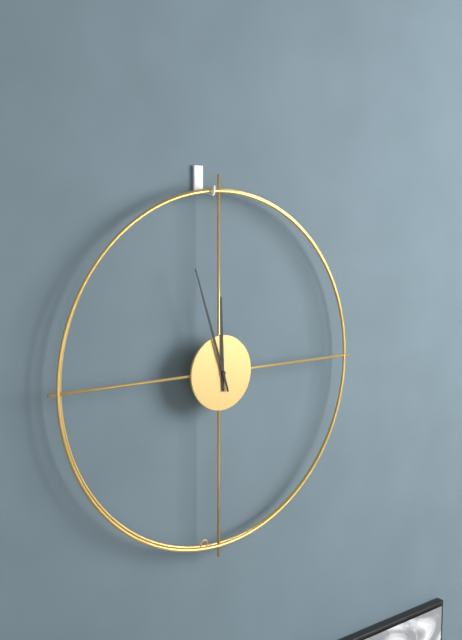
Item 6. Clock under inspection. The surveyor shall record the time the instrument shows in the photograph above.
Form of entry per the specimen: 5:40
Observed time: 11:57
